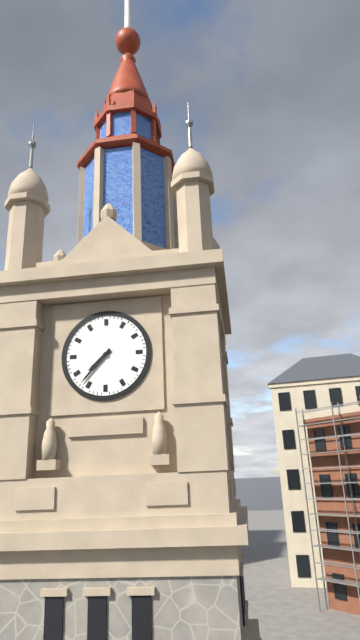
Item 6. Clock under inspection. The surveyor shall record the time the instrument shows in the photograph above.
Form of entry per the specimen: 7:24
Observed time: 7:37
